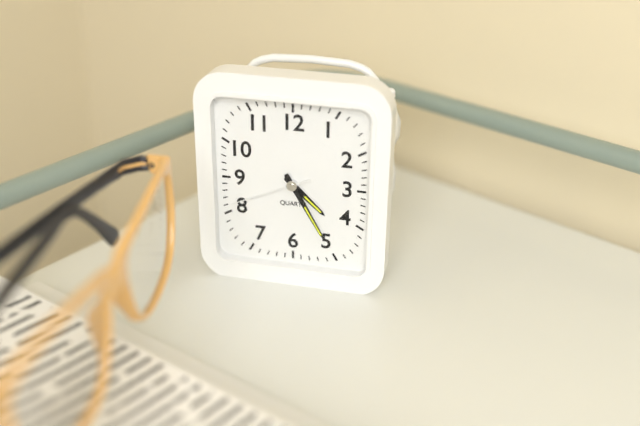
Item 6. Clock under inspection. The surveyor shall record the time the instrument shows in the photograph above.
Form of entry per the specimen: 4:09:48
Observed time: 4:25:41
